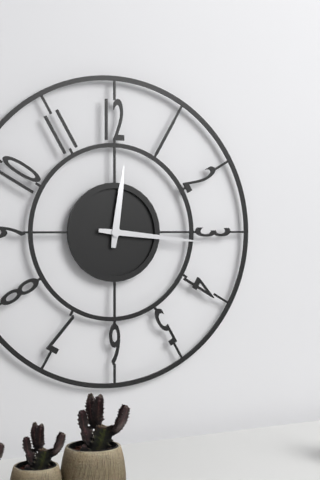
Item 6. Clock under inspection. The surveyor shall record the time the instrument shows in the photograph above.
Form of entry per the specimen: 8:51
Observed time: 12:16
